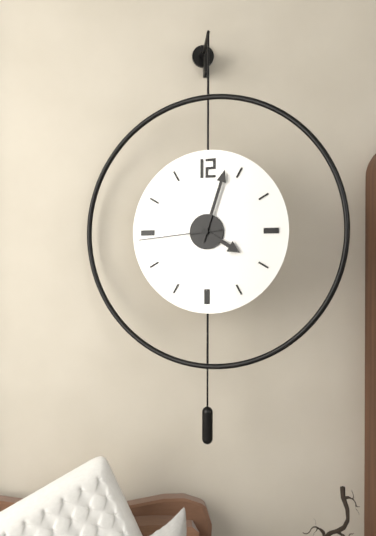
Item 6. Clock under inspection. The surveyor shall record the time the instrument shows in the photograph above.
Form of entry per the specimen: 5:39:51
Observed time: 4:03:44
